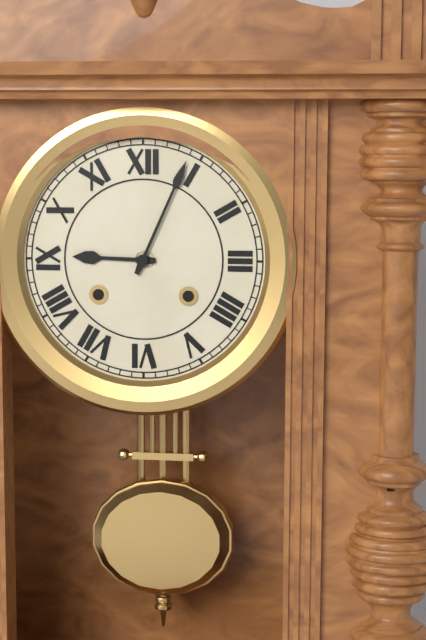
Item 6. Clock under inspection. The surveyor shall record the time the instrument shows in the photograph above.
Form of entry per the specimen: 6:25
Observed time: 9:04
